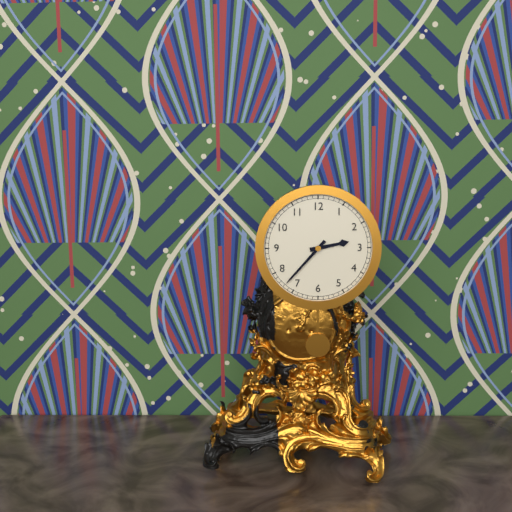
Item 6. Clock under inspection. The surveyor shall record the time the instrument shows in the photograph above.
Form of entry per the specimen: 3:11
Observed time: 2:37
